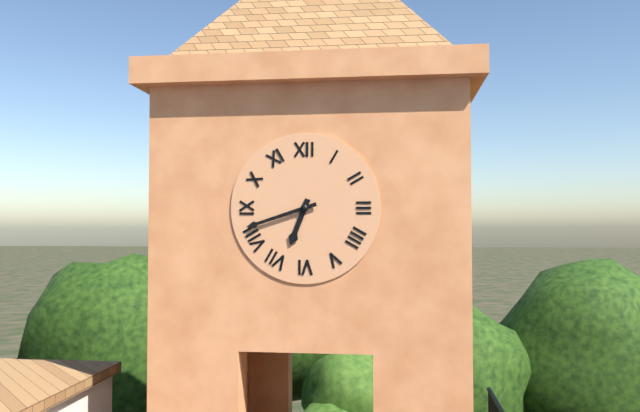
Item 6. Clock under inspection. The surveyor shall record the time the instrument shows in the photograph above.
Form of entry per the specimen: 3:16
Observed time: 6:42
